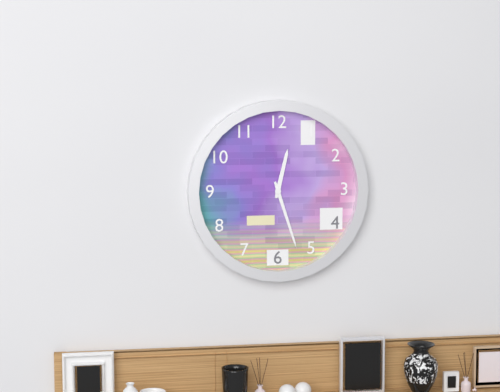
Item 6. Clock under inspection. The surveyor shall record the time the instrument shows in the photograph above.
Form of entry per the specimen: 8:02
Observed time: 12:27
